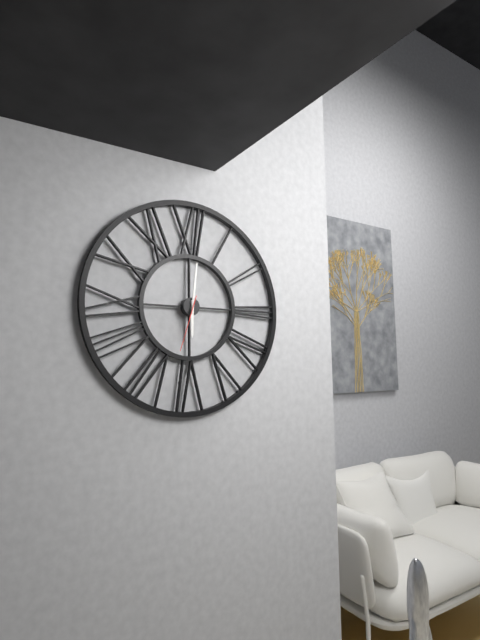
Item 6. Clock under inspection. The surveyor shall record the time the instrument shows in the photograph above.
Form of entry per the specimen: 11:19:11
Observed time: 6:01:33
